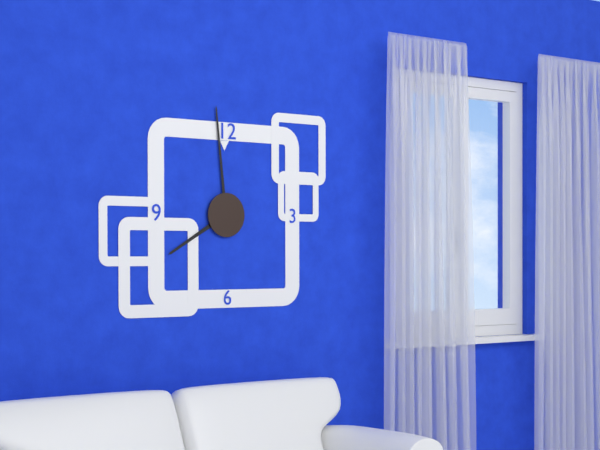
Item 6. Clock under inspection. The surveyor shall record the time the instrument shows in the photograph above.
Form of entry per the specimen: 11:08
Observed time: 7:59
